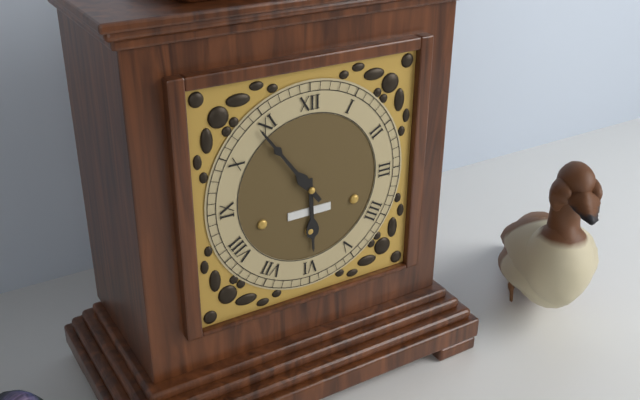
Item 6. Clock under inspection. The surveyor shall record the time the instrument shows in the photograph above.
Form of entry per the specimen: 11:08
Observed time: 5:54
